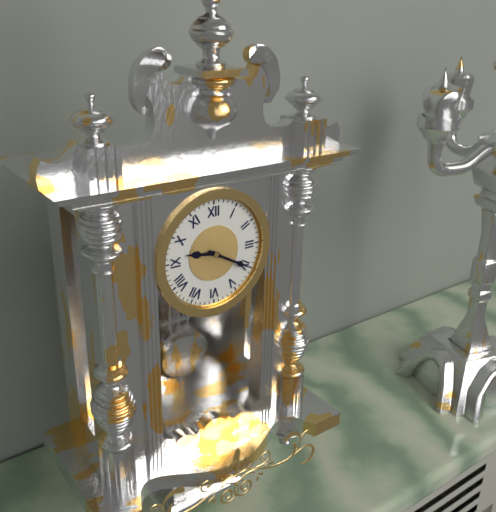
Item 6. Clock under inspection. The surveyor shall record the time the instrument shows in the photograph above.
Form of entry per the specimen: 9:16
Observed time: 9:20
